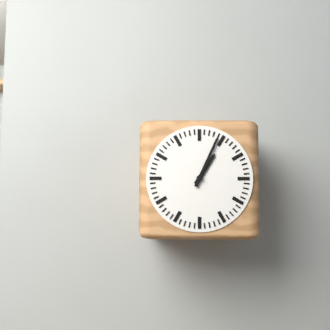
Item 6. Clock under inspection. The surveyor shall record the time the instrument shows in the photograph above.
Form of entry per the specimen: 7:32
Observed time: 1:04
